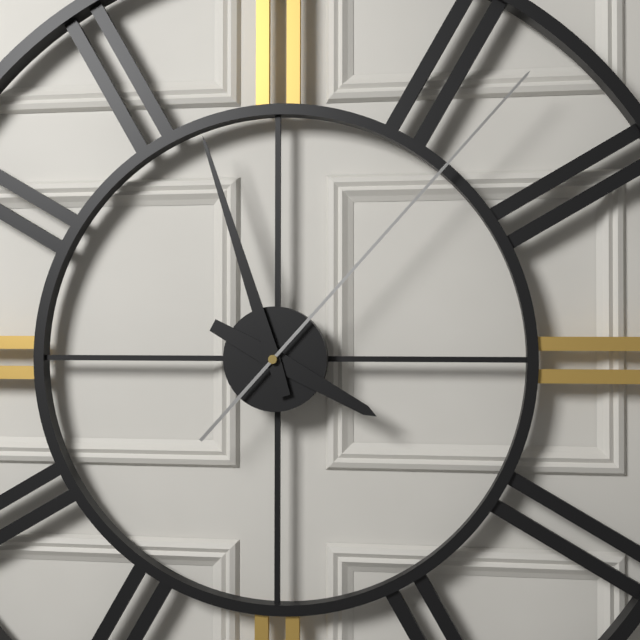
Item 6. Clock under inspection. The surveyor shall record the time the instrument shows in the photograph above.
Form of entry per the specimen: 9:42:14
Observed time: 3:57:07
